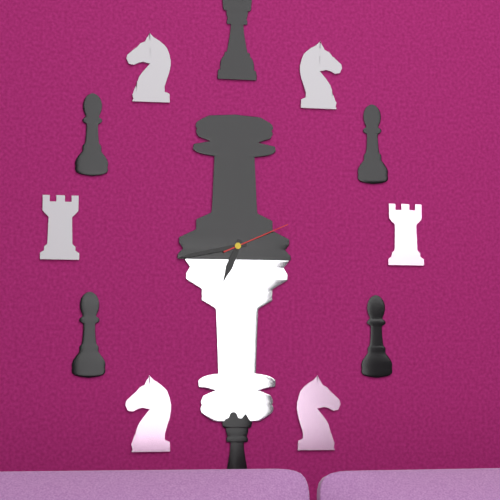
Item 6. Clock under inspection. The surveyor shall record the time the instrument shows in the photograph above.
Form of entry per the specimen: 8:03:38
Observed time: 6:43:11
